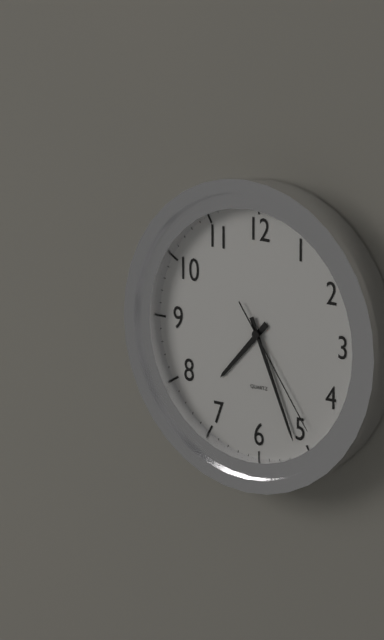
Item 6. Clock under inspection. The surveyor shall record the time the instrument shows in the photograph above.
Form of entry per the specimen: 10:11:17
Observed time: 7:26:24
